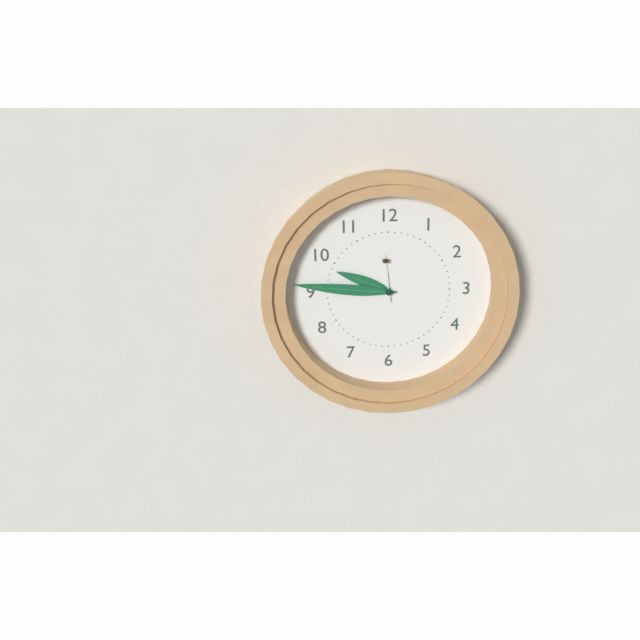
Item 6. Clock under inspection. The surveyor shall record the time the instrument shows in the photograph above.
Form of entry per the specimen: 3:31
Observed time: 9:46
